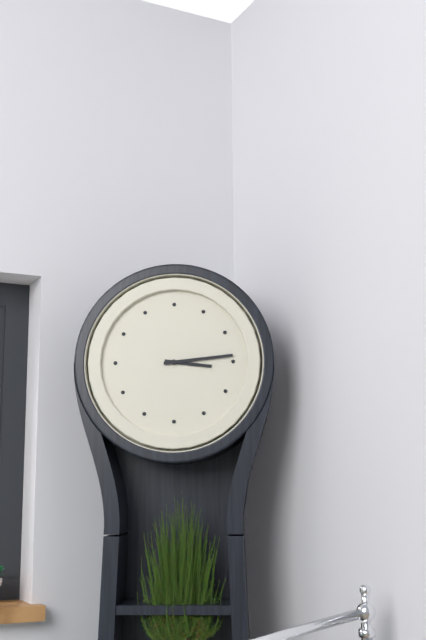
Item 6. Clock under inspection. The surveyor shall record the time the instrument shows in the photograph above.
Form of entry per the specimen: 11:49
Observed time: 3:14
